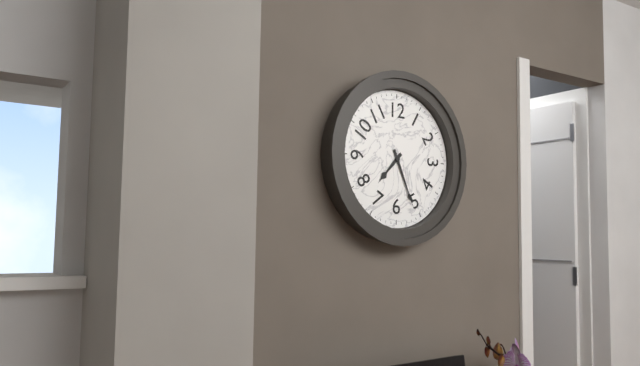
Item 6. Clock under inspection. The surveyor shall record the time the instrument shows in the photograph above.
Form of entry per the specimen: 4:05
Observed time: 7:26
